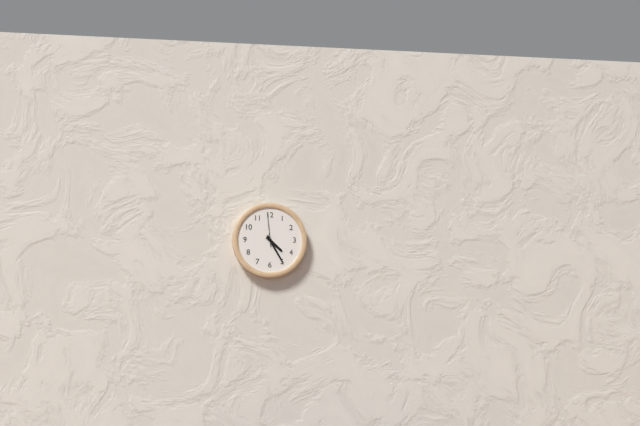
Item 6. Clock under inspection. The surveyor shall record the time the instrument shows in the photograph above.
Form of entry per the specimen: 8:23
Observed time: 4:25
